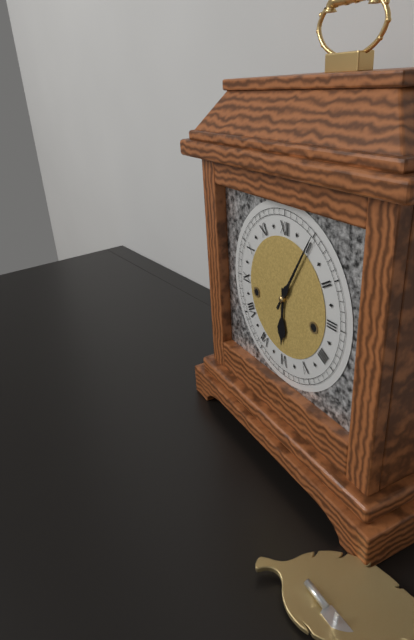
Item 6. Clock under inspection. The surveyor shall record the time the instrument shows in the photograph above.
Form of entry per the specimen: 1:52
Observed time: 6:05
